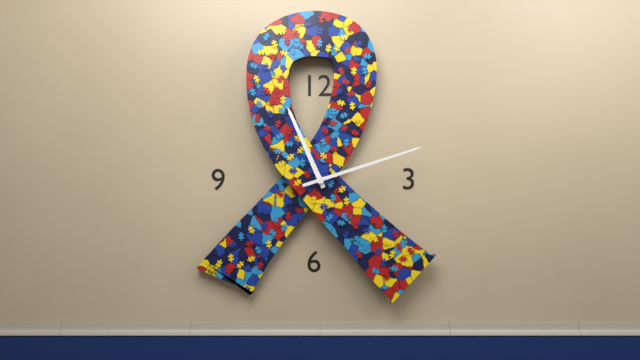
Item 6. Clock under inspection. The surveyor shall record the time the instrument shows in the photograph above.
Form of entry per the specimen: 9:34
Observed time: 11:12
